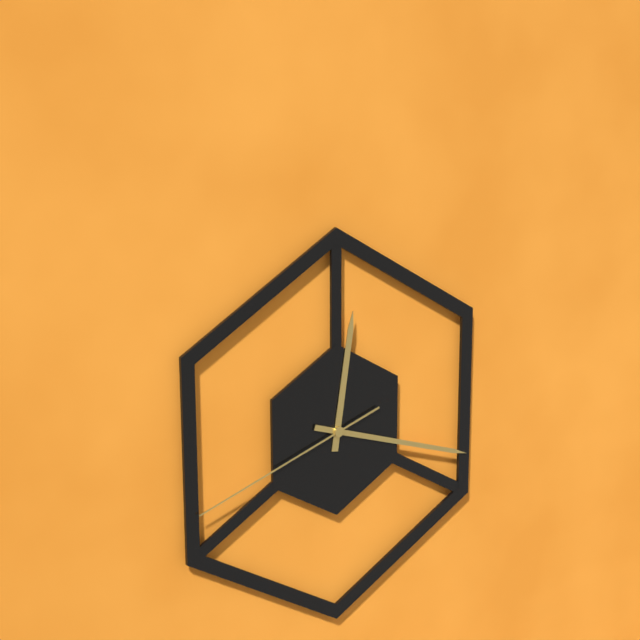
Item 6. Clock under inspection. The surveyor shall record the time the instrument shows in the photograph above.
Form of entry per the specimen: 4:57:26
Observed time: 12:18:42
